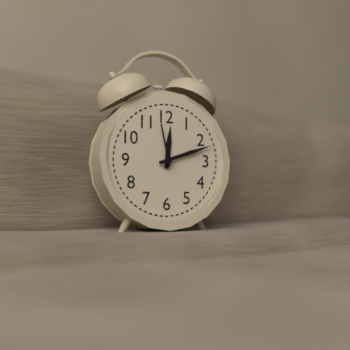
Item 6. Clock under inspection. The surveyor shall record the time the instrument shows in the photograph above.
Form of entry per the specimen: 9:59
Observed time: 12:12
